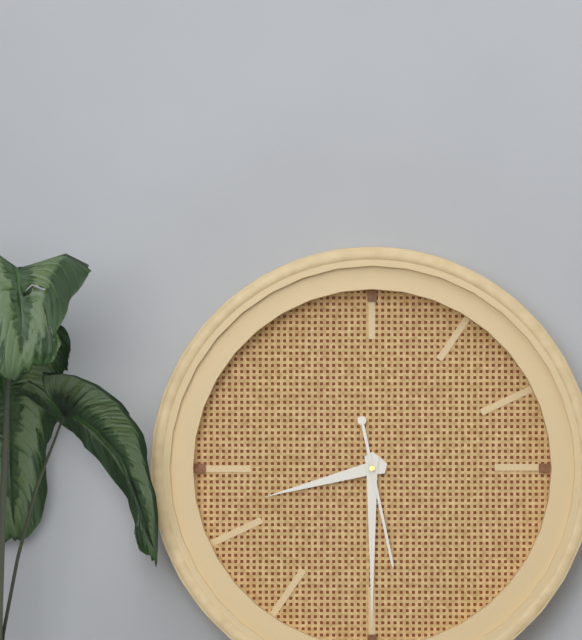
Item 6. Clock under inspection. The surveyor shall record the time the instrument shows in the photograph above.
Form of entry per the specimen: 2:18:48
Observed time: 8:30:28
